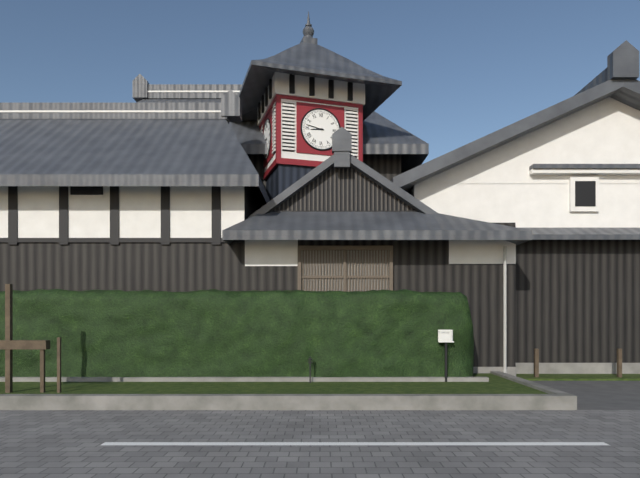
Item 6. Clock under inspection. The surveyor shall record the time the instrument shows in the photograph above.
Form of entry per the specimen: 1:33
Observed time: 8:47
